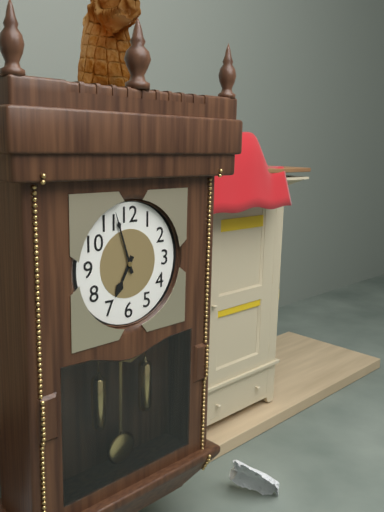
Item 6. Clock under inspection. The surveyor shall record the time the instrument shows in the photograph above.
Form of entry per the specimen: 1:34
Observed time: 6:57
